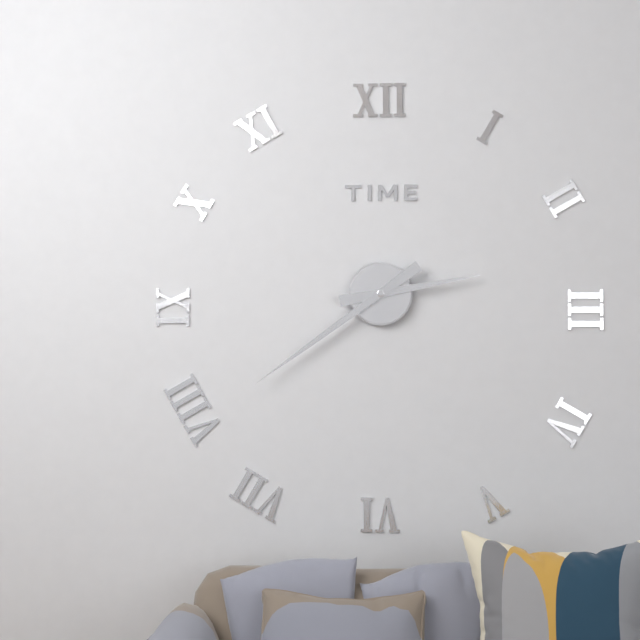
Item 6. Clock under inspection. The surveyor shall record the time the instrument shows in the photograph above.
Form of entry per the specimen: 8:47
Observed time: 2:39
